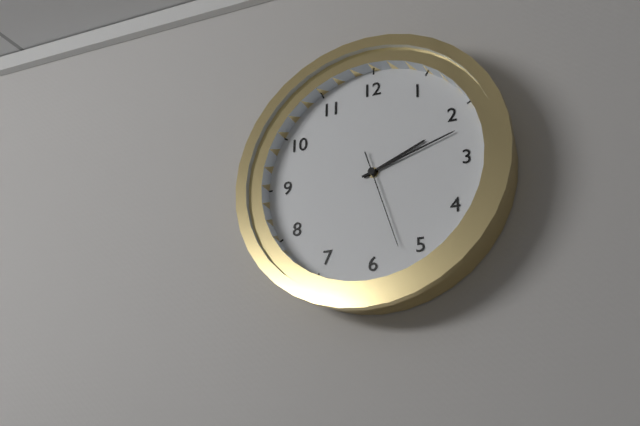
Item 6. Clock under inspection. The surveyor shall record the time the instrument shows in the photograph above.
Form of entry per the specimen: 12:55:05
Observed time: 2:12:27
